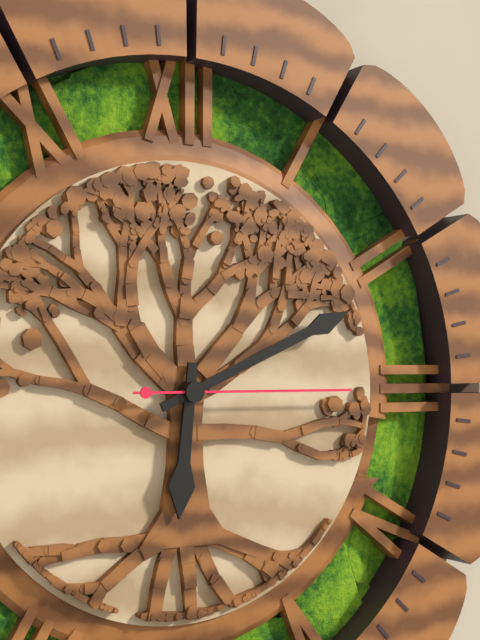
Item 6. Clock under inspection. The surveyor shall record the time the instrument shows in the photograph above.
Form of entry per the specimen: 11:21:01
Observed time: 6:11:15
